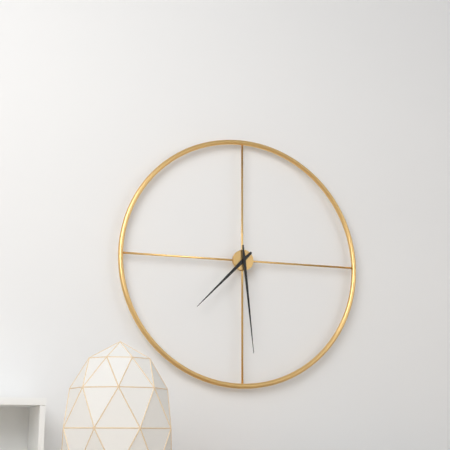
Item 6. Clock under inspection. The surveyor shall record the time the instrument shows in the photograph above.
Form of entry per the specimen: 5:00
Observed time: 7:29
